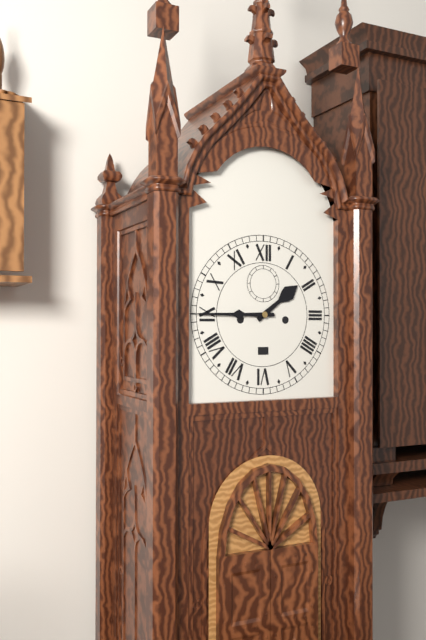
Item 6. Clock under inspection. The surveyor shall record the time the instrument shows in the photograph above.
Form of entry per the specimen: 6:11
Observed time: 1:45
